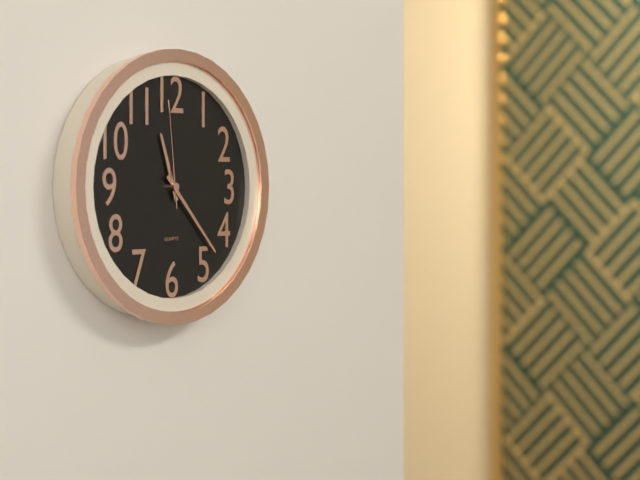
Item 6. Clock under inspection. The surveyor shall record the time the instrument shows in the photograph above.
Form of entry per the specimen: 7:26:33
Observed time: 11:23:59
